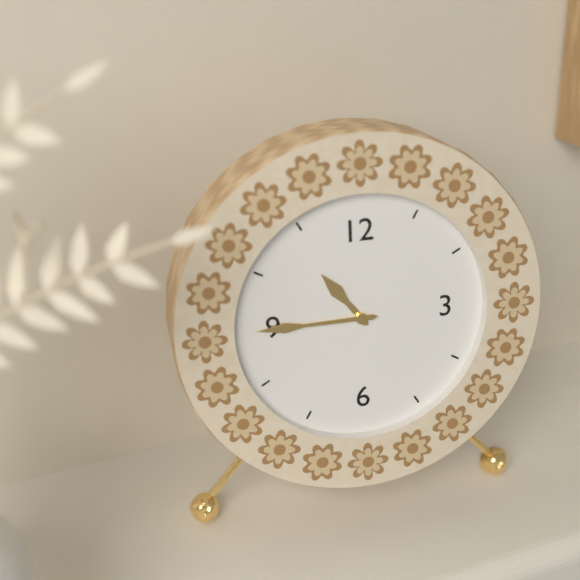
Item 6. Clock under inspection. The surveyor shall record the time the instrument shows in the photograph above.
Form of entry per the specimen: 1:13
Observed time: 10:45
